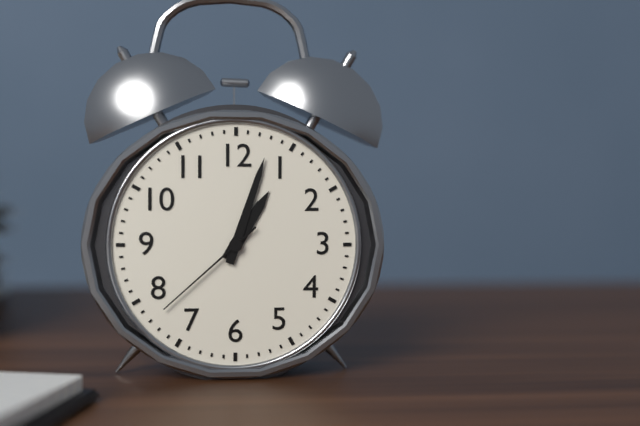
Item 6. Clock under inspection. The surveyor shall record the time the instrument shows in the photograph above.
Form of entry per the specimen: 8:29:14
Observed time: 1:03:38
